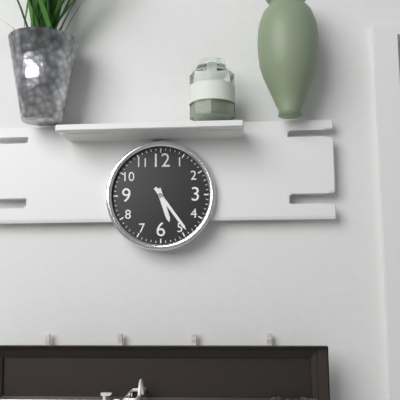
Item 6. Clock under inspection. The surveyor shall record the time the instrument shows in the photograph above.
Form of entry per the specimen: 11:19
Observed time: 5:24
